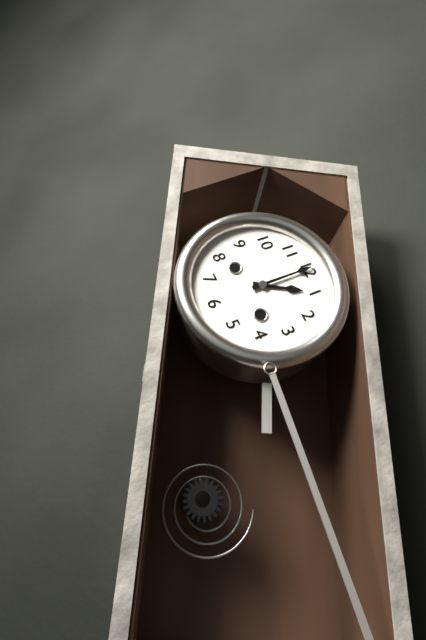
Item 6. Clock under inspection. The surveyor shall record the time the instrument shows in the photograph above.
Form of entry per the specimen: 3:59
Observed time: 1:00
